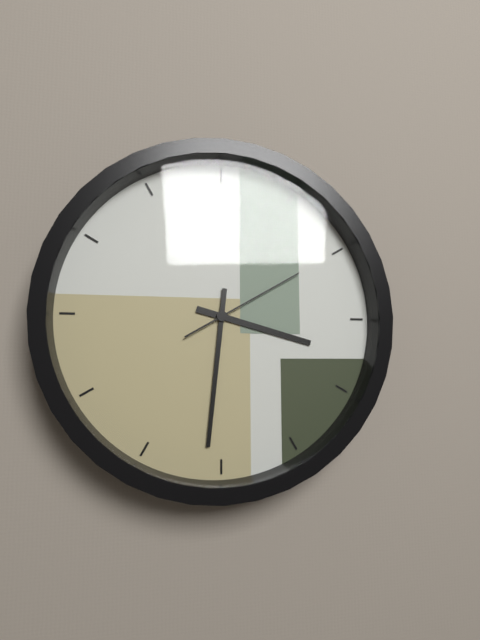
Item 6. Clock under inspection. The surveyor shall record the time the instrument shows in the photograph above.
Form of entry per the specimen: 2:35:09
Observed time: 3:31:10
